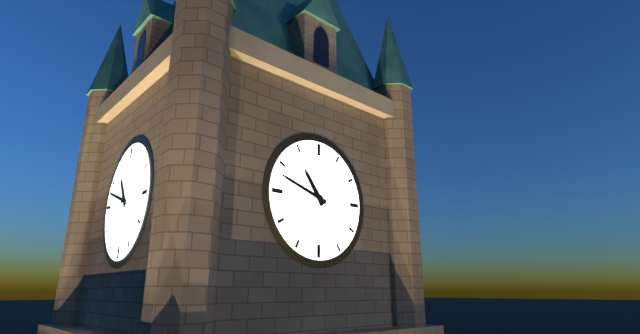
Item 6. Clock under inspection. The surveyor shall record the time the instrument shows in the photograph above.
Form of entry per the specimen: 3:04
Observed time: 10:48
